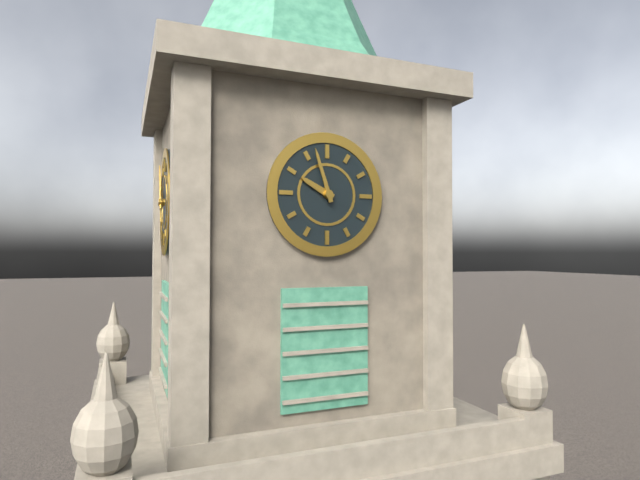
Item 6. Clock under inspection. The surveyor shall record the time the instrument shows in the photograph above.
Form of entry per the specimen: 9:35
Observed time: 9:57
